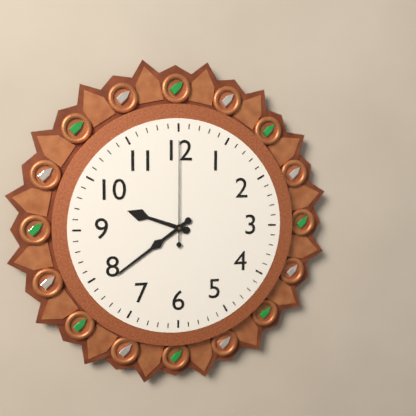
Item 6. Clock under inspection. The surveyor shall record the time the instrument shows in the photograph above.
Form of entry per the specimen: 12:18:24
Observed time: 9:39:00
